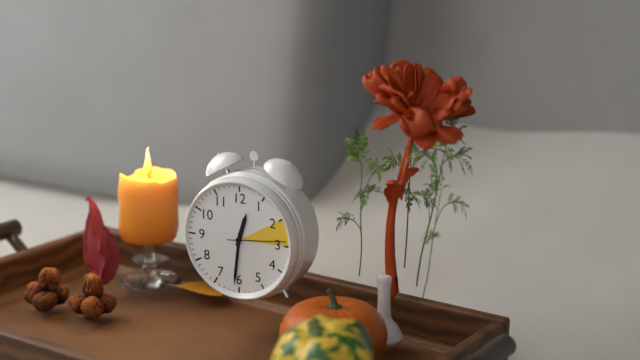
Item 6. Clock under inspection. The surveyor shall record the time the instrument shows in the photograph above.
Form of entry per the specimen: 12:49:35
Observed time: 12:31:14
